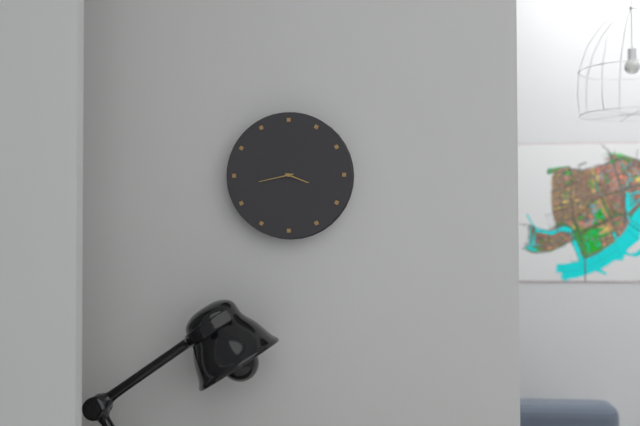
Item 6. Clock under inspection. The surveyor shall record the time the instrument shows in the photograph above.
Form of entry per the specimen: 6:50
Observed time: 3:43
